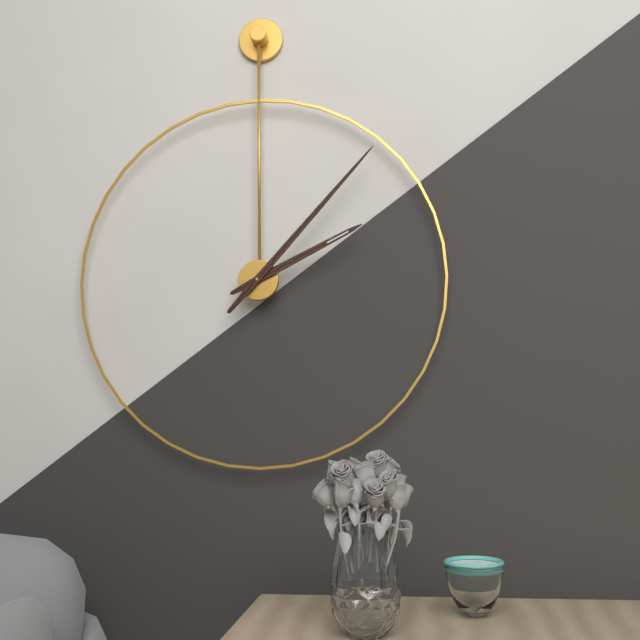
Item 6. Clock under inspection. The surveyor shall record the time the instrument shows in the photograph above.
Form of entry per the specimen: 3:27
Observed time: 2:07
